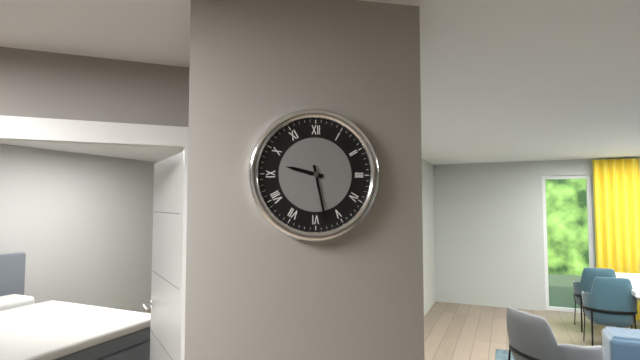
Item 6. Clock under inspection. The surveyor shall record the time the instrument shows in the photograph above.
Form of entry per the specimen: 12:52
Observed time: 9:28
